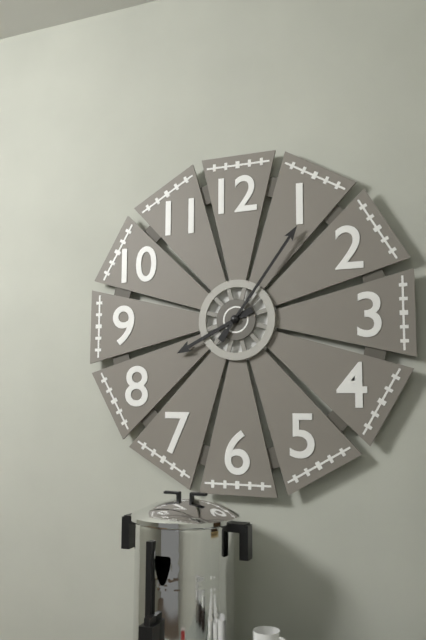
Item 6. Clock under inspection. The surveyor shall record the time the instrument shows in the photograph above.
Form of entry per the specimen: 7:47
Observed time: 8:06
